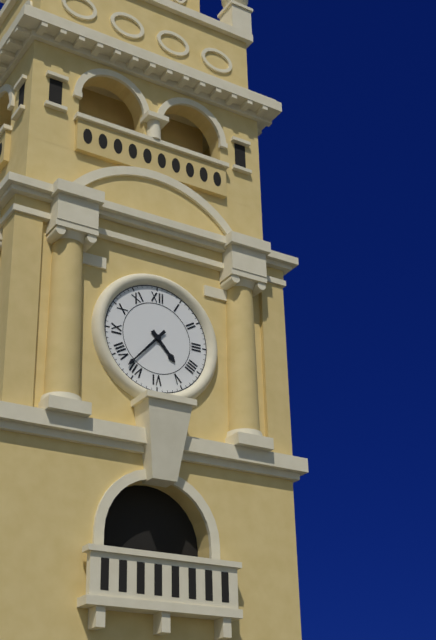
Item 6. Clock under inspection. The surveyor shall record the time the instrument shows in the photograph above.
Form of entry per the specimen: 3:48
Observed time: 4:37
